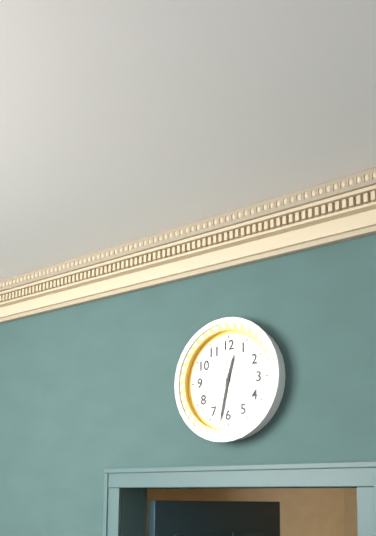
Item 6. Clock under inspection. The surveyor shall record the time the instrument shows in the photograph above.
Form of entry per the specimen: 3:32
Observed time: 12:32
